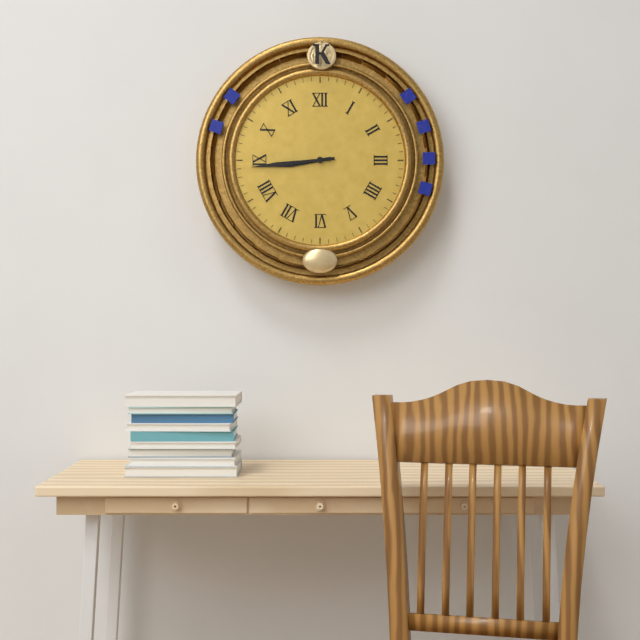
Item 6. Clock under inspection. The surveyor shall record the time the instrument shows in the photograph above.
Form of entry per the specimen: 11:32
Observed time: 8:44
